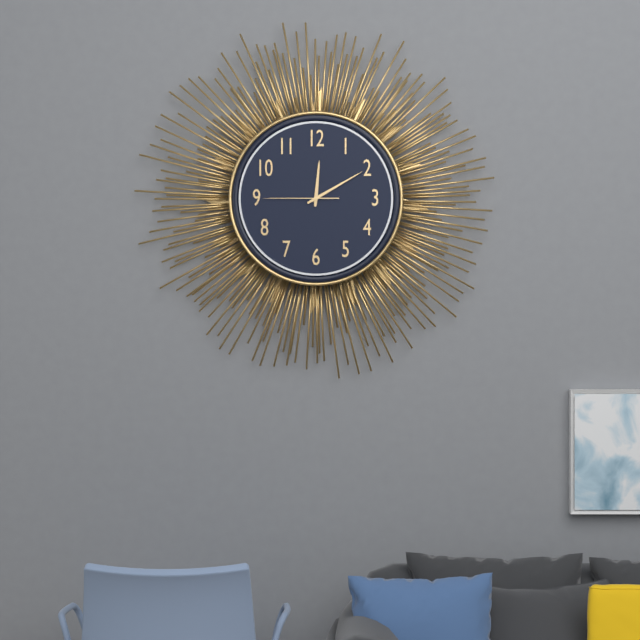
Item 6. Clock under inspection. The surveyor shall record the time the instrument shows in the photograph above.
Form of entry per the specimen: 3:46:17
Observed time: 12:10:45
